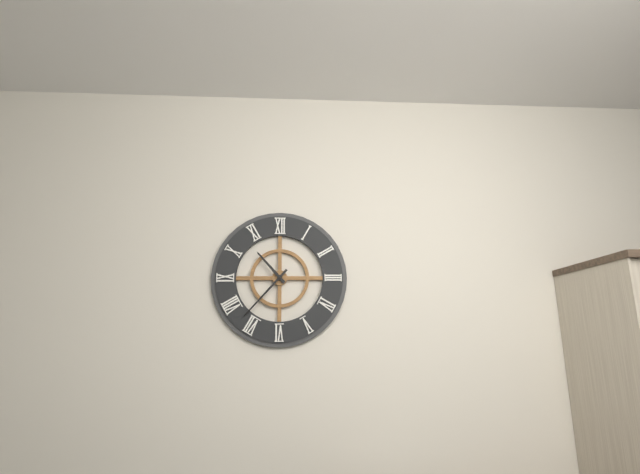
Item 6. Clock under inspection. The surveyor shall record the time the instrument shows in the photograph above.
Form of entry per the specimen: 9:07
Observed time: 10:37
